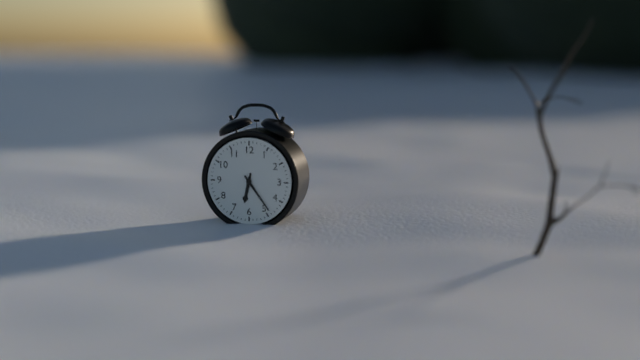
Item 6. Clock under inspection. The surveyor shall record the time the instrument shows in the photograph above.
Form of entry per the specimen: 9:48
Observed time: 6:24
